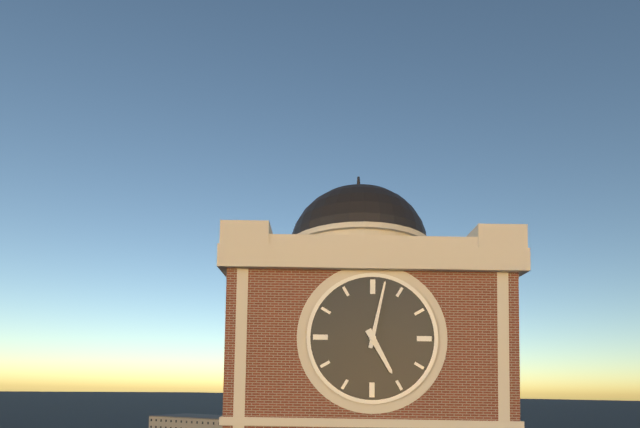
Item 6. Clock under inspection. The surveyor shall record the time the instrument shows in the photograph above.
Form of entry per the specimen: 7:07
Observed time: 5:02
